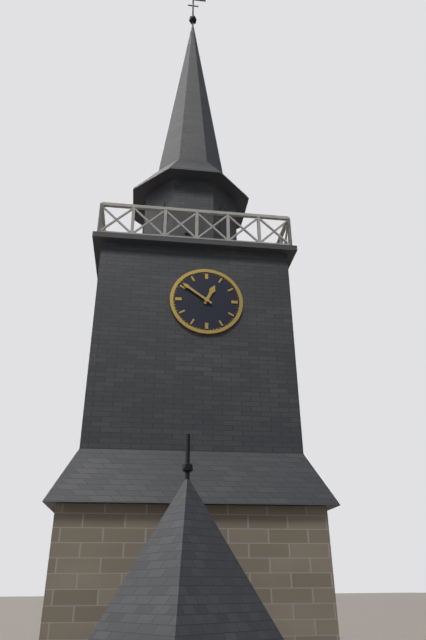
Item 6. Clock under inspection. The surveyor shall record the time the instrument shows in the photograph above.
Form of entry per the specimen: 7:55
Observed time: 12:51
